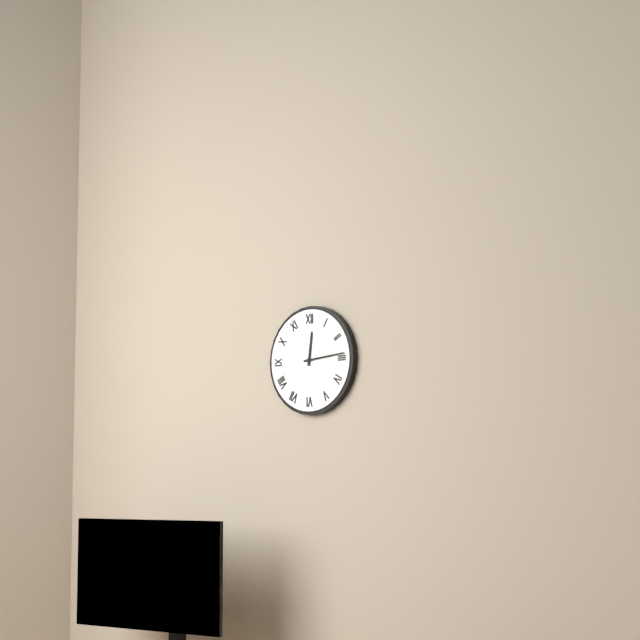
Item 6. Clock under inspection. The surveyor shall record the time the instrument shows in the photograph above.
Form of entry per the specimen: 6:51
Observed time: 12:14
